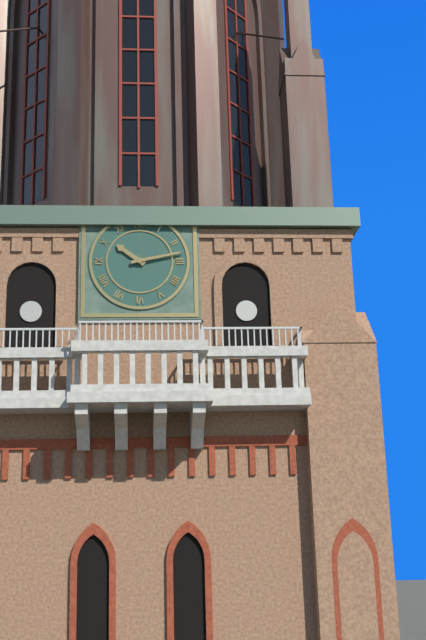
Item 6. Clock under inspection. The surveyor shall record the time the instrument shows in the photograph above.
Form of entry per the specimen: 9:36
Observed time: 10:13
